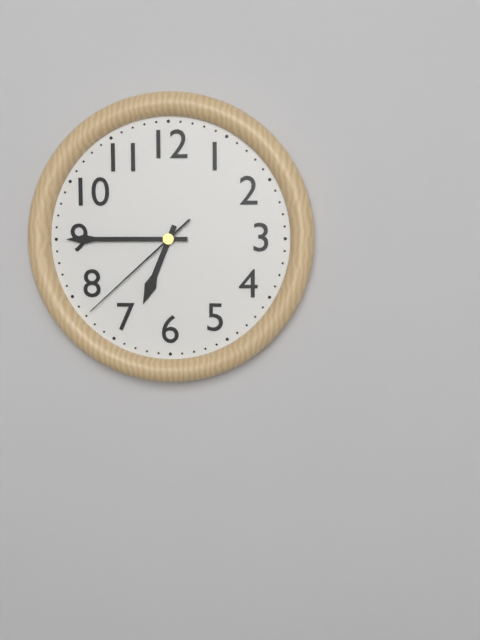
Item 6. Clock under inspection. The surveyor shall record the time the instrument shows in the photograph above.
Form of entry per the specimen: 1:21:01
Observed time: 6:45:38
